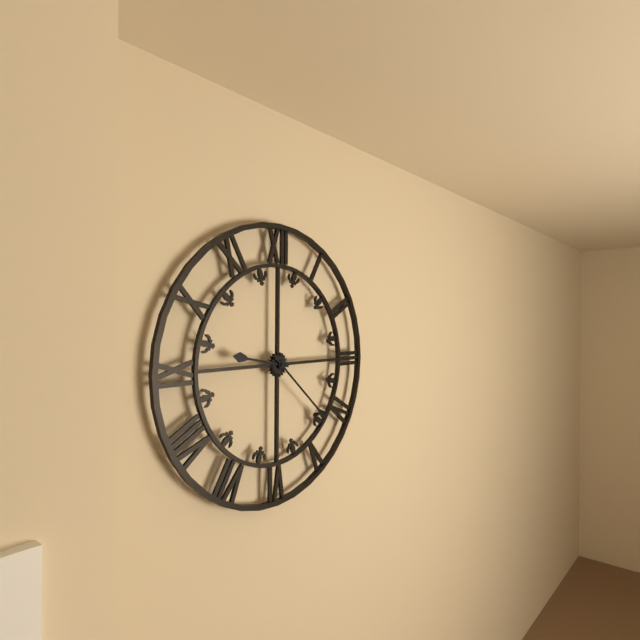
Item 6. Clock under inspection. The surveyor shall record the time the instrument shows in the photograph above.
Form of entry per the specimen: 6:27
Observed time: 9:22
